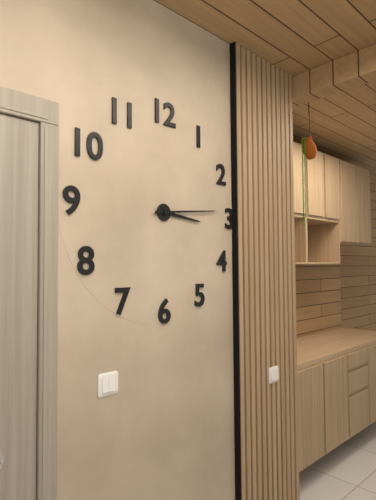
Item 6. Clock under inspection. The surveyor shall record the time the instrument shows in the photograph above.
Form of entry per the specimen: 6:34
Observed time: 3:14
